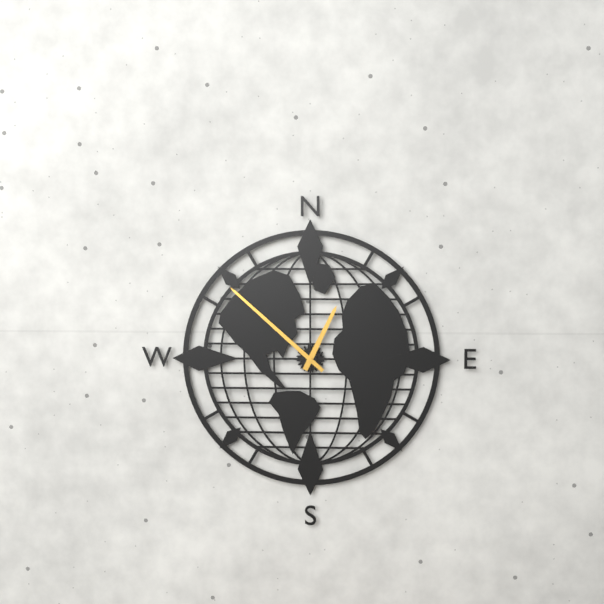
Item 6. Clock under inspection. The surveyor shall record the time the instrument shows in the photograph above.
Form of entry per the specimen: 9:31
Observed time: 12:52
